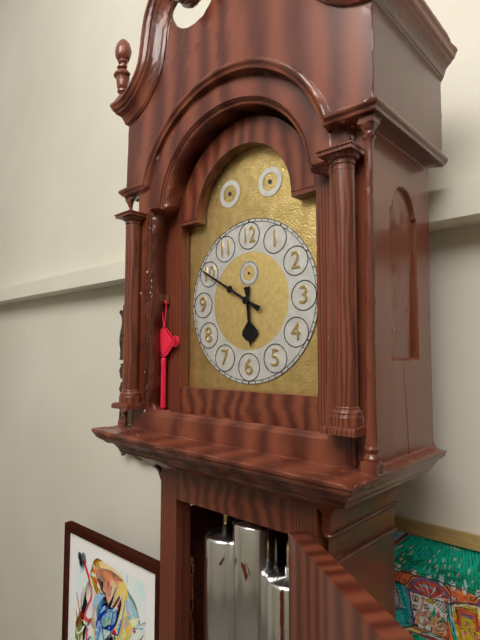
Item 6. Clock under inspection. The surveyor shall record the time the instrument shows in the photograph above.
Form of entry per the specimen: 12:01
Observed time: 5:50
